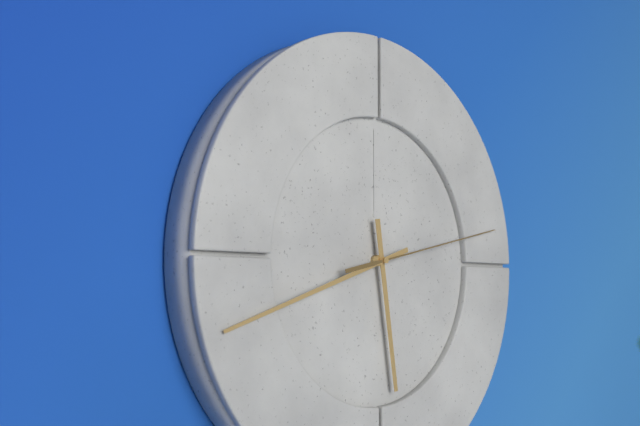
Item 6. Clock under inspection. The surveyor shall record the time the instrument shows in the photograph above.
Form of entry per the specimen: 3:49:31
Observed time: 5:42:13
